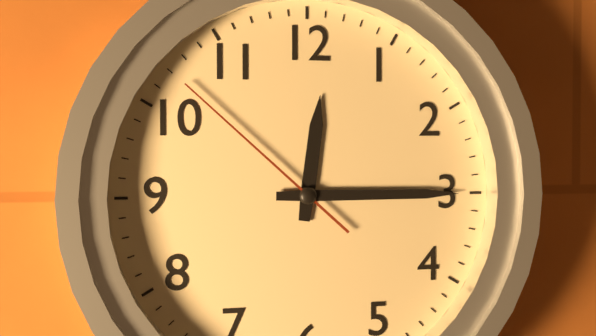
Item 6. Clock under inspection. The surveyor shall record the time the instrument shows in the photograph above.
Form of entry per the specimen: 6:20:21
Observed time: 12:15:52
